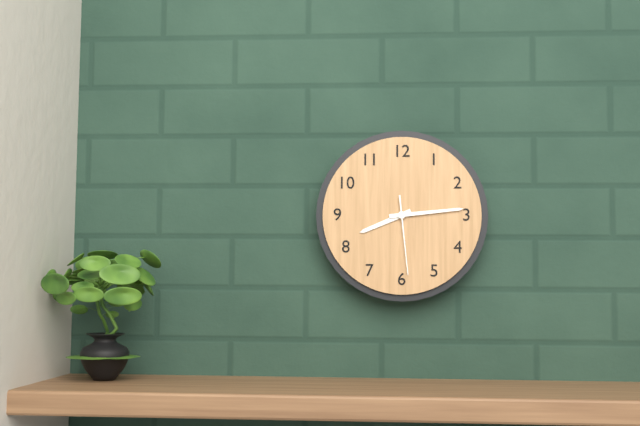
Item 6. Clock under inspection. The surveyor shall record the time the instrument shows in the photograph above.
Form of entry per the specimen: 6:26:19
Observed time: 8:14:29
